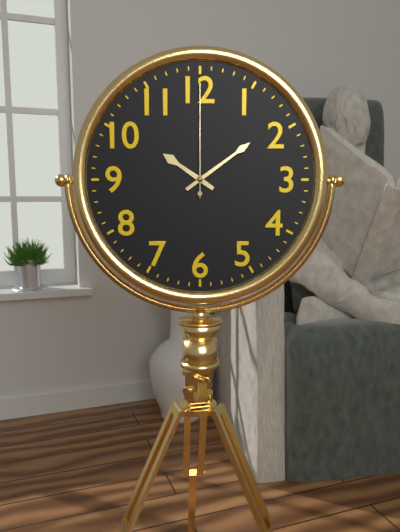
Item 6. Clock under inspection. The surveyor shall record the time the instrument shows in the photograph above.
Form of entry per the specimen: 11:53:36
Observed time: 10:09:00
